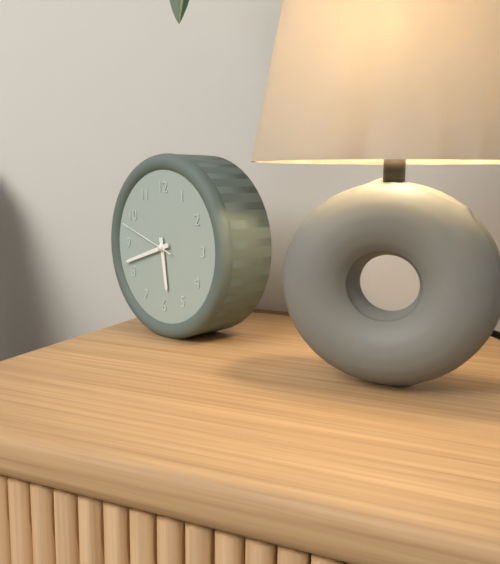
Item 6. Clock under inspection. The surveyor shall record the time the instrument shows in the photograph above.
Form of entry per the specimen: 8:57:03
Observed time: 5:42:48
